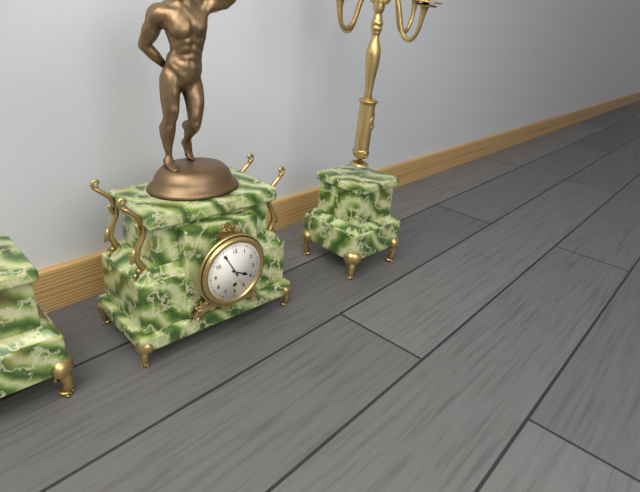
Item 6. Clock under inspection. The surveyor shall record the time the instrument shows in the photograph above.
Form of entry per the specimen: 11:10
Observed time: 3:55
